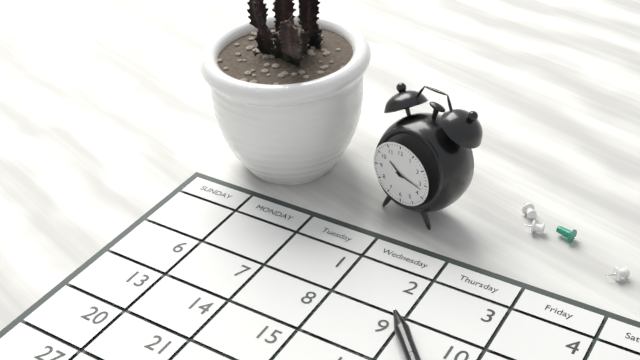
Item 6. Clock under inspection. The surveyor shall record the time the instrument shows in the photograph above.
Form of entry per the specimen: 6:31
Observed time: 10:17
